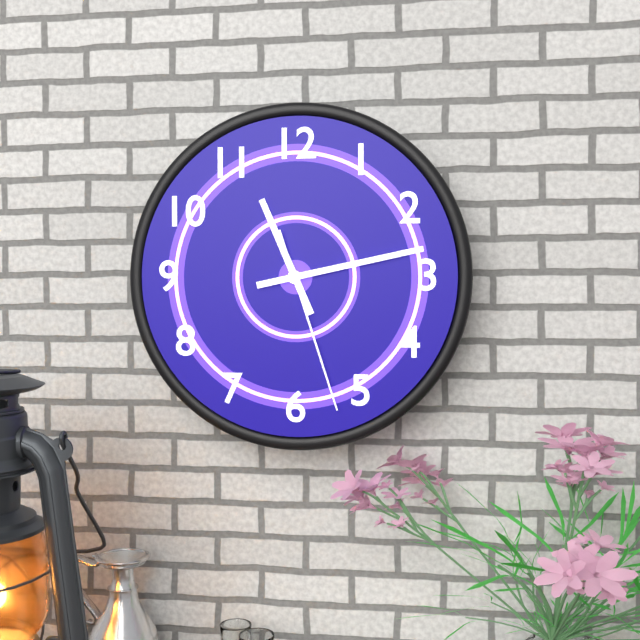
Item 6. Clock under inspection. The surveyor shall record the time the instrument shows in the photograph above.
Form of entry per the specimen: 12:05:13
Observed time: 11:13:27
